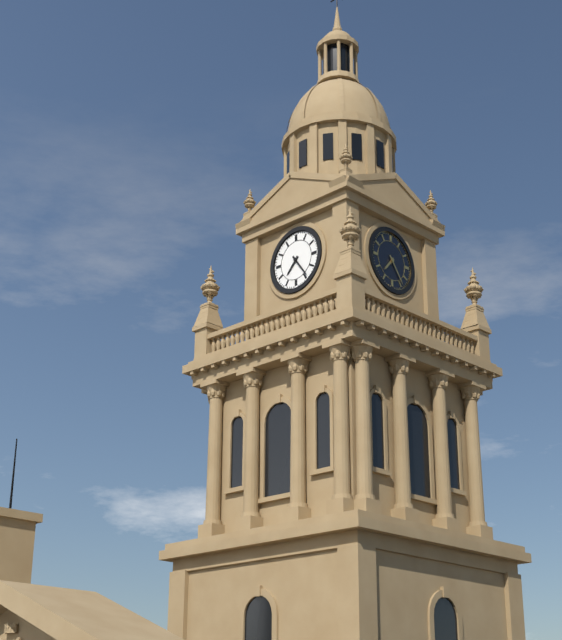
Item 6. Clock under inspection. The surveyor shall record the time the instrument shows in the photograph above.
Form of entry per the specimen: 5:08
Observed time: 7:24
